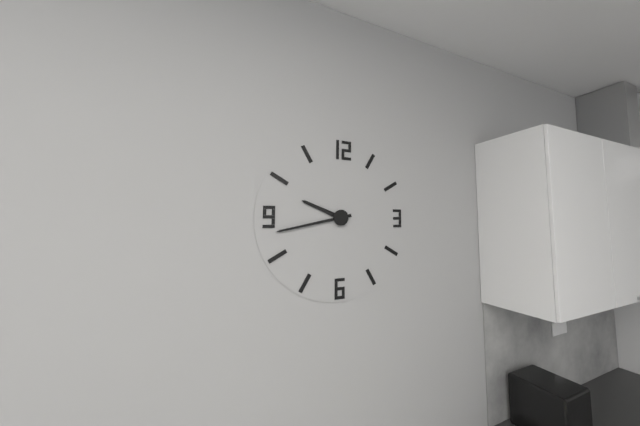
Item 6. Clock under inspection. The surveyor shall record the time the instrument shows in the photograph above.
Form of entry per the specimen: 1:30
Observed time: 9:43
